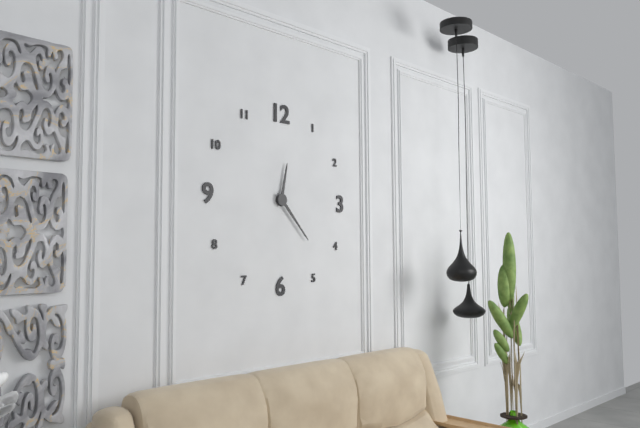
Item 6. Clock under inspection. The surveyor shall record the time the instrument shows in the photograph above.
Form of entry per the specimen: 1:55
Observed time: 12:23
